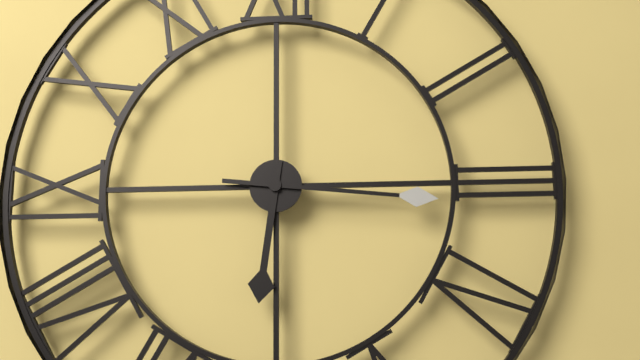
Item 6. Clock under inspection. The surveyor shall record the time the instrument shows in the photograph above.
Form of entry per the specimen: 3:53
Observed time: 6:16
